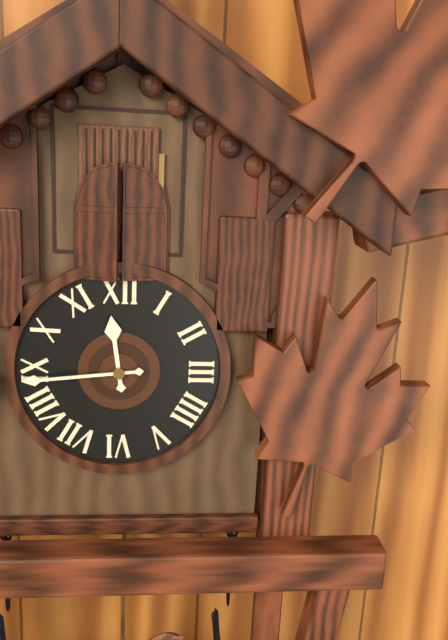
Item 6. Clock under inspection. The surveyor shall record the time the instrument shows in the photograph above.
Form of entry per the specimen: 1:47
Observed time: 11:44
